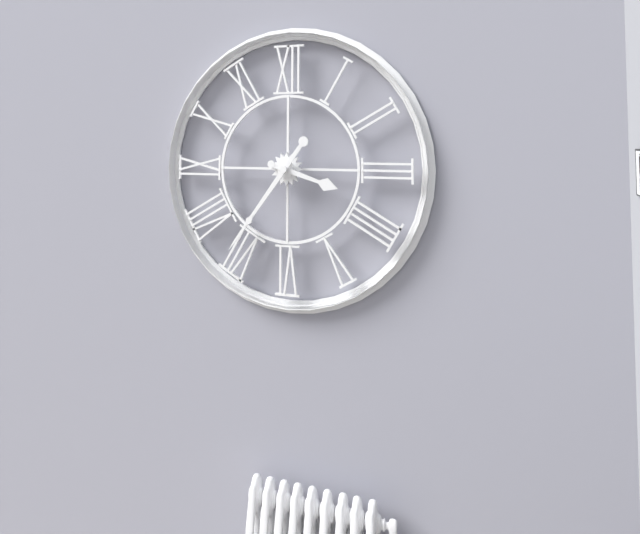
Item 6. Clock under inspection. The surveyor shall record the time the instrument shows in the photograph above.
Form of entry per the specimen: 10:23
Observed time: 3:36
